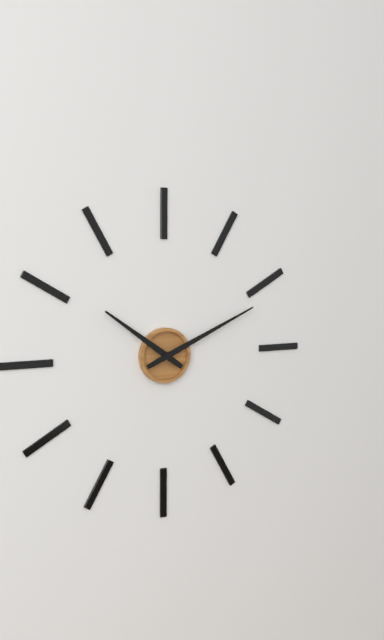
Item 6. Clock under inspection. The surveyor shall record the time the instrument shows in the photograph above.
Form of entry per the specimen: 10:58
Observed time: 10:11
